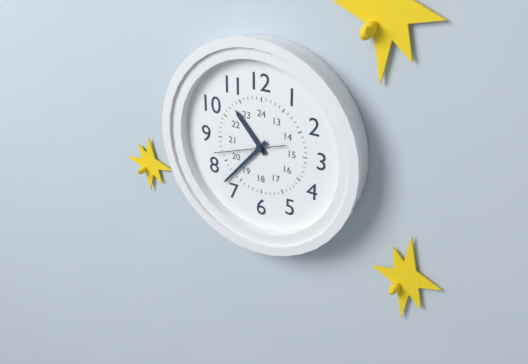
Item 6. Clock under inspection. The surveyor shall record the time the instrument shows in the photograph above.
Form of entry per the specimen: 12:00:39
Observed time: 10:37:42
